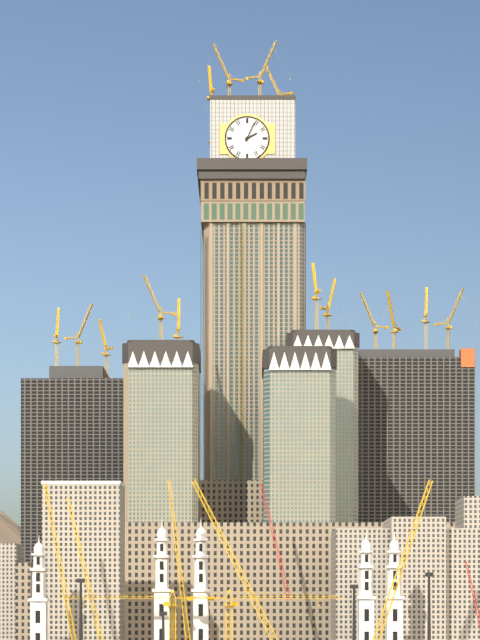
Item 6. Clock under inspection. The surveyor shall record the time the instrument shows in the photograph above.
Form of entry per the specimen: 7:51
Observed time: 2:04
